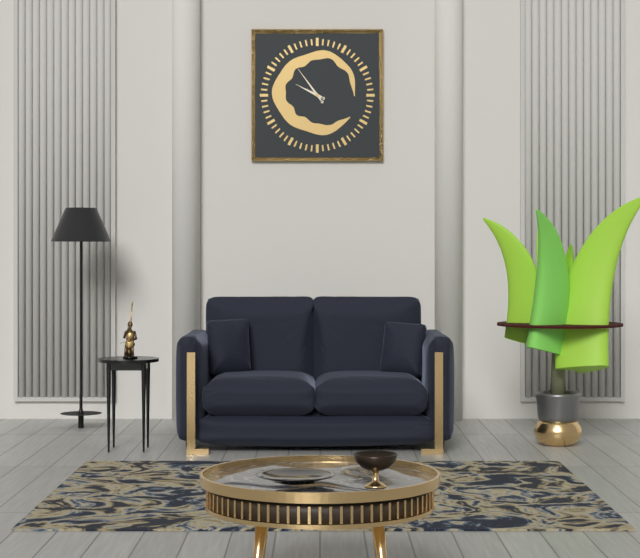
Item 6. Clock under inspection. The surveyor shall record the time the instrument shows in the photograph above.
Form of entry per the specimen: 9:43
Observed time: 9:54
